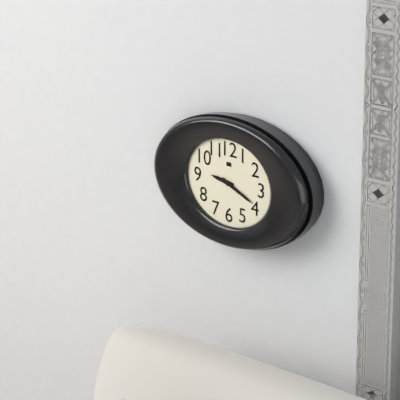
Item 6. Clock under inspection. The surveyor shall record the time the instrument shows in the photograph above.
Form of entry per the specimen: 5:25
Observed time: 9:19
